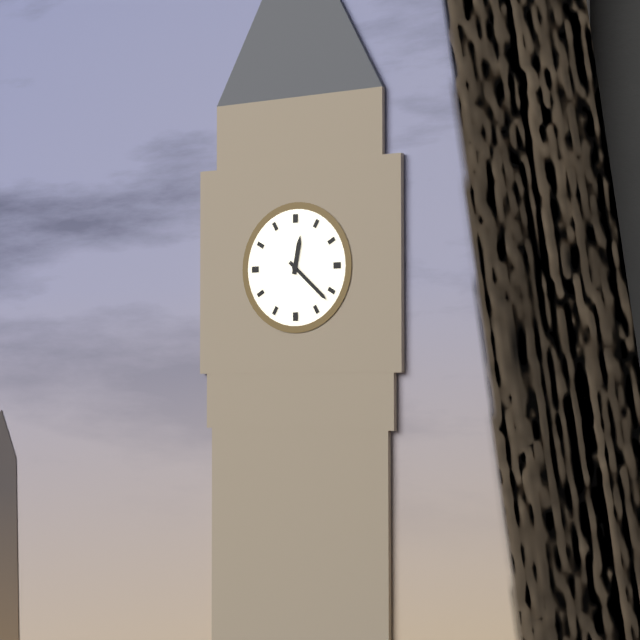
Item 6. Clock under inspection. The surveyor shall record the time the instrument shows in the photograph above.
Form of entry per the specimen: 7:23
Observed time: 12:22
